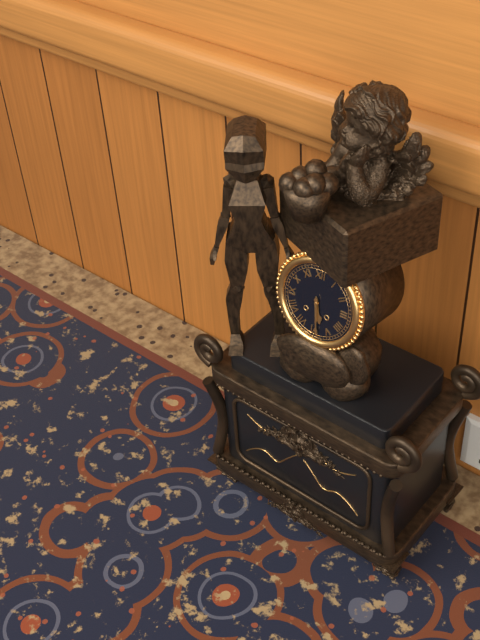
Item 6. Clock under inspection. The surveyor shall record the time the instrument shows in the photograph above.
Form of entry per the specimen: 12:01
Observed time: 5:29
